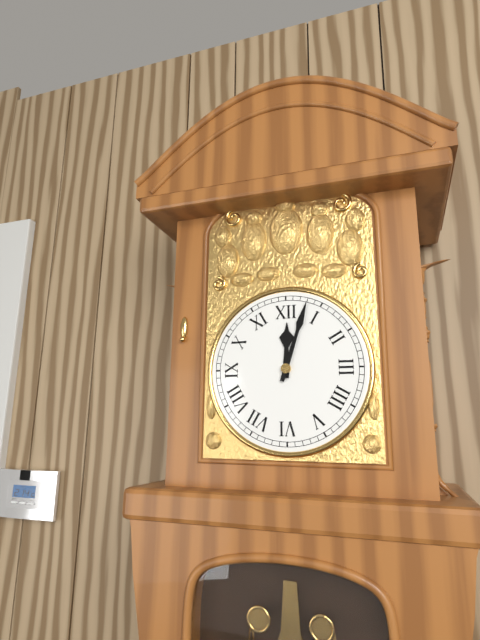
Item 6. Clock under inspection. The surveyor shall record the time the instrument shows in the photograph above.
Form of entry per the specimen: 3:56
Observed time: 12:03
